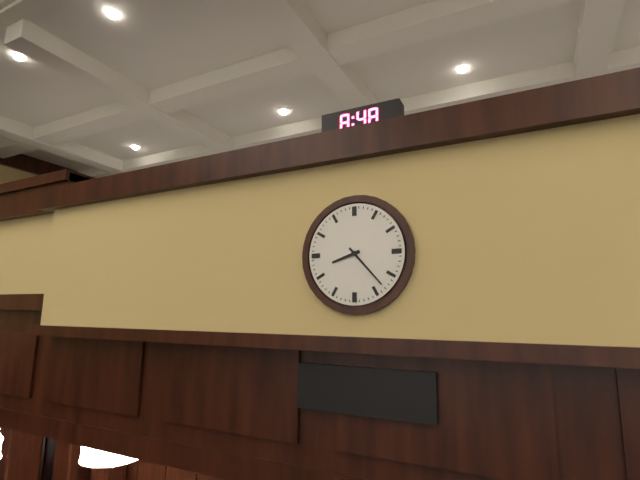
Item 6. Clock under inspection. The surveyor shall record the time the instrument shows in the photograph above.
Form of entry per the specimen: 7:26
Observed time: 8:23
